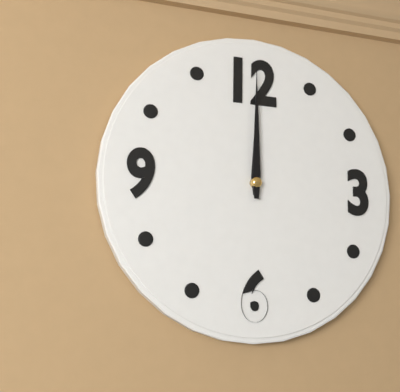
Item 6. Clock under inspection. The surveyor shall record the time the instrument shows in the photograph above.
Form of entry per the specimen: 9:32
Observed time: 12:00
